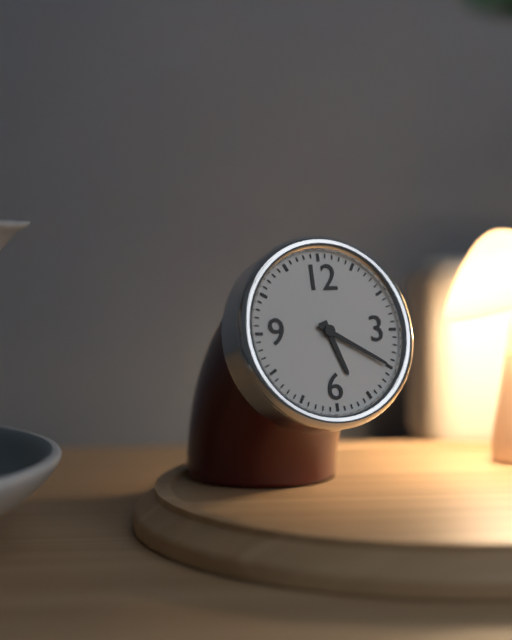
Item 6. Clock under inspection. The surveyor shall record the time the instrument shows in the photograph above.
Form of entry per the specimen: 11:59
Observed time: 5:20
